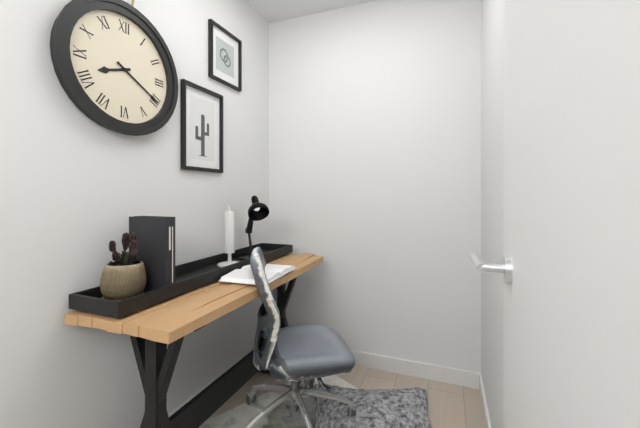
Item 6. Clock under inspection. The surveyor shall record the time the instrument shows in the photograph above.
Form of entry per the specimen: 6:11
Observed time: 8:20
